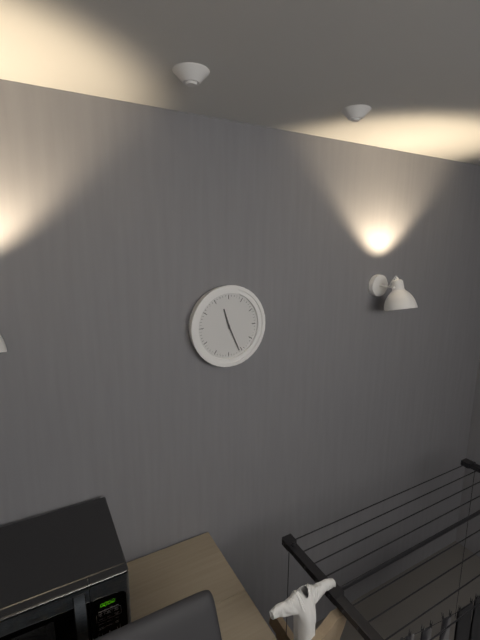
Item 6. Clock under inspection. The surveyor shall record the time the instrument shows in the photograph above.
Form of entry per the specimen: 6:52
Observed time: 11:26
